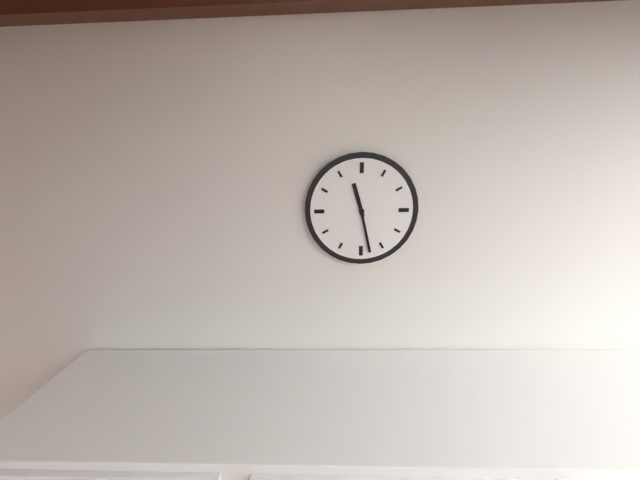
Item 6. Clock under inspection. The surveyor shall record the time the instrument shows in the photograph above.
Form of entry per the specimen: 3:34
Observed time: 11:28
